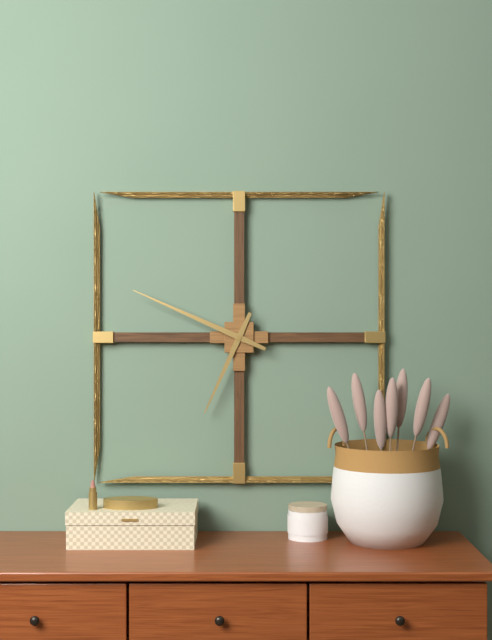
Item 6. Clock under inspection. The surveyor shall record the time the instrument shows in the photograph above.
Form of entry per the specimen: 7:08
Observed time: 6:49
